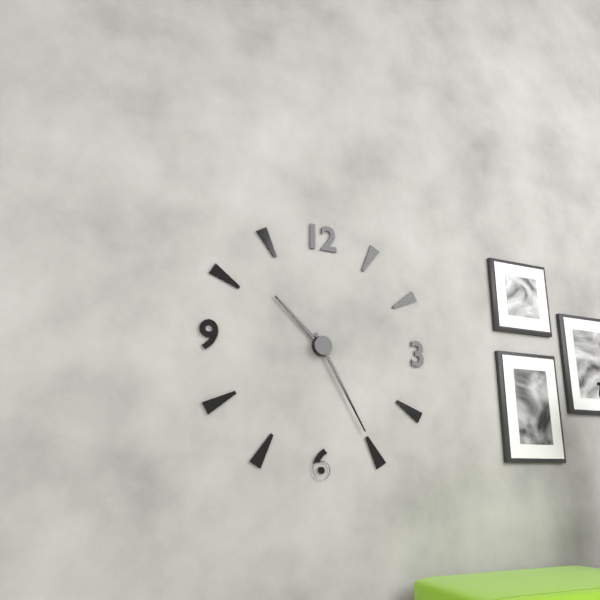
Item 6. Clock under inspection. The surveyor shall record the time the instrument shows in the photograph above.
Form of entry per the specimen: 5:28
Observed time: 10:25
